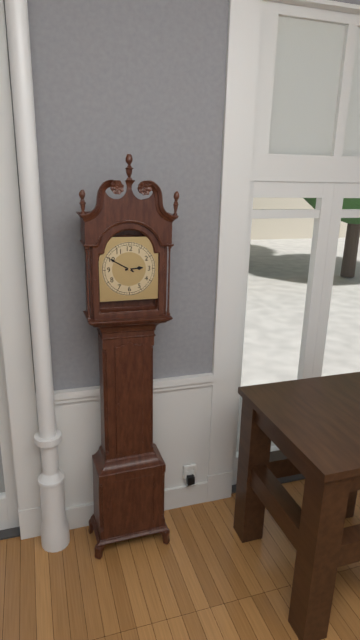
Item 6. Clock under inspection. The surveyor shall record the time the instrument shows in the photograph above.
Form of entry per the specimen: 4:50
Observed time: 2:50
